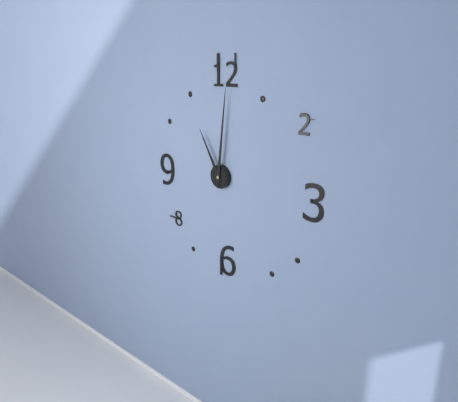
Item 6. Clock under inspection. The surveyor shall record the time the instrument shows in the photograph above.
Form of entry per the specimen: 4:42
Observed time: 11:01
